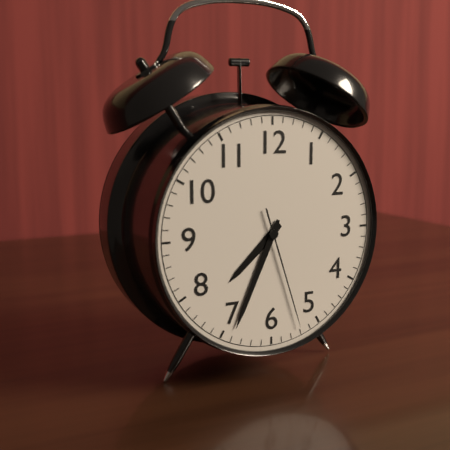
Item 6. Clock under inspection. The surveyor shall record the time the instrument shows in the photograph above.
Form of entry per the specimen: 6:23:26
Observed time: 7:34:27
